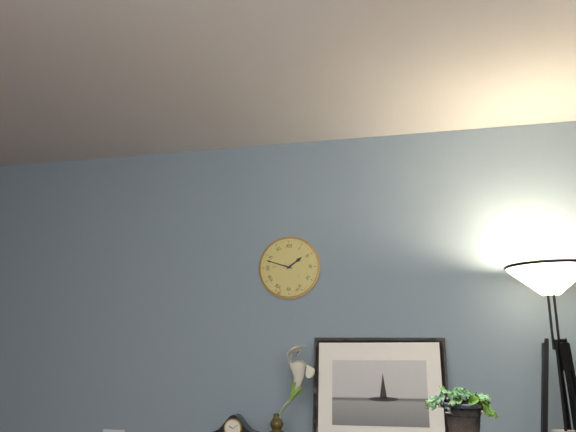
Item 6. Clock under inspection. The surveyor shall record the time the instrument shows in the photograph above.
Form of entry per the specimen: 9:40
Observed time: 1:48
